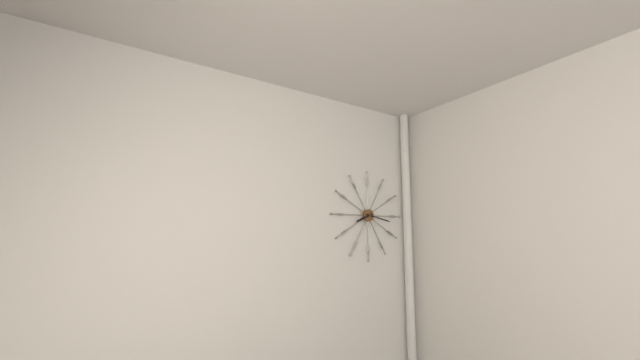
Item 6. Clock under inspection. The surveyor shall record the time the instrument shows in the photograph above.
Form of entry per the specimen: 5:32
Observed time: 8:17
